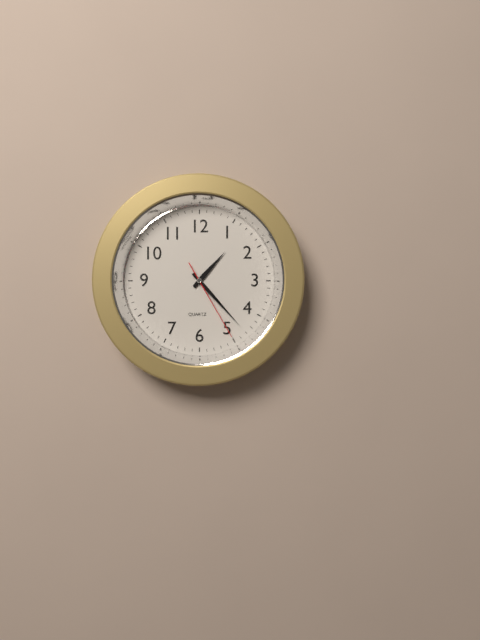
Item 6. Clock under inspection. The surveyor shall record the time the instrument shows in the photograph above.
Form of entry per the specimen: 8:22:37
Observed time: 1:23:25
